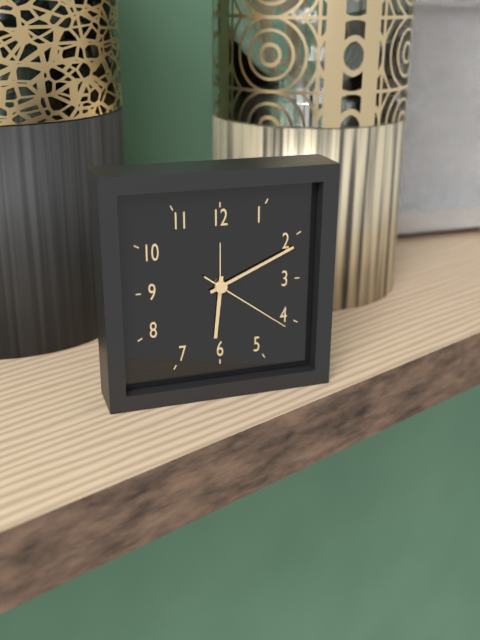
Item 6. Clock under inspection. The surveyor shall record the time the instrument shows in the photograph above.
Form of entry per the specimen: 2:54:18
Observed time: 6:11:21
